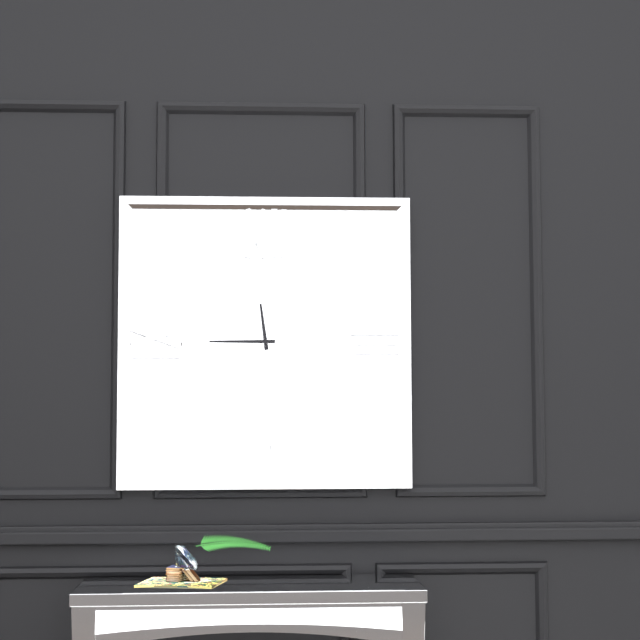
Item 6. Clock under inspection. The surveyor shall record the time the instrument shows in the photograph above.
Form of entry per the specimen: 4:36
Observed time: 11:45
